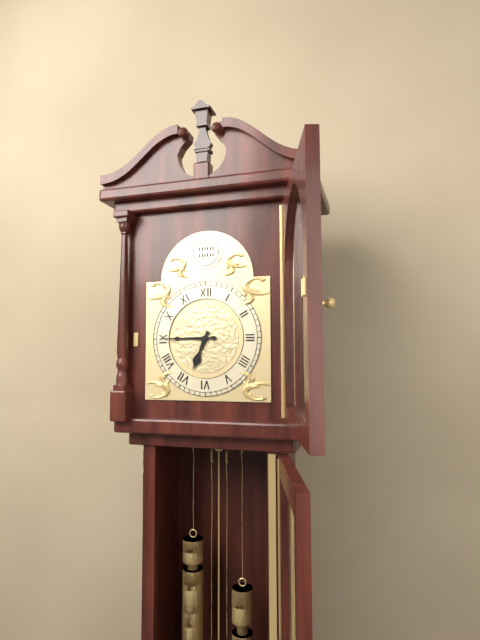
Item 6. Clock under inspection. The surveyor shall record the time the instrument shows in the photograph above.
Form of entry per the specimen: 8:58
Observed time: 6:45
